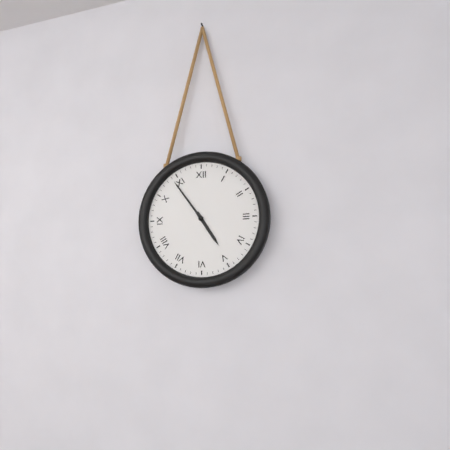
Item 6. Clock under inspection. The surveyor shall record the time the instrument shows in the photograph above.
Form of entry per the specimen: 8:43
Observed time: 4:54
